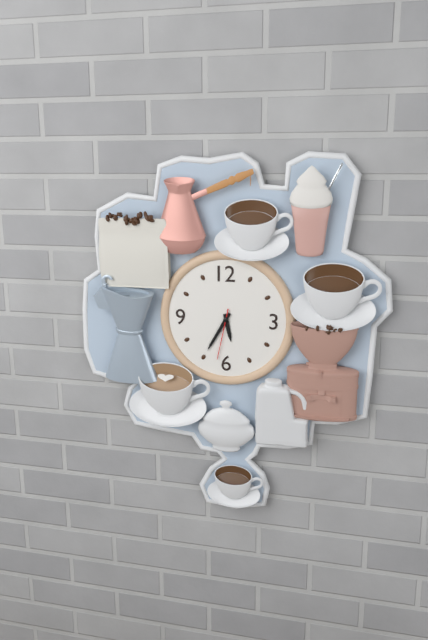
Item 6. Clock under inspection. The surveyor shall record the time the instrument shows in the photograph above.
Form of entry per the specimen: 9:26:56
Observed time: 5:35:32
